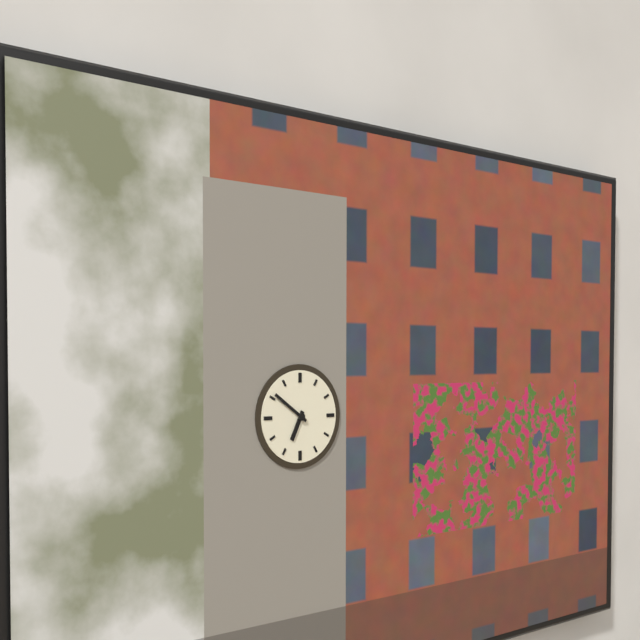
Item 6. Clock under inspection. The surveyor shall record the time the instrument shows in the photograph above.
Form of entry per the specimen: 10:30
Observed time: 6:51
